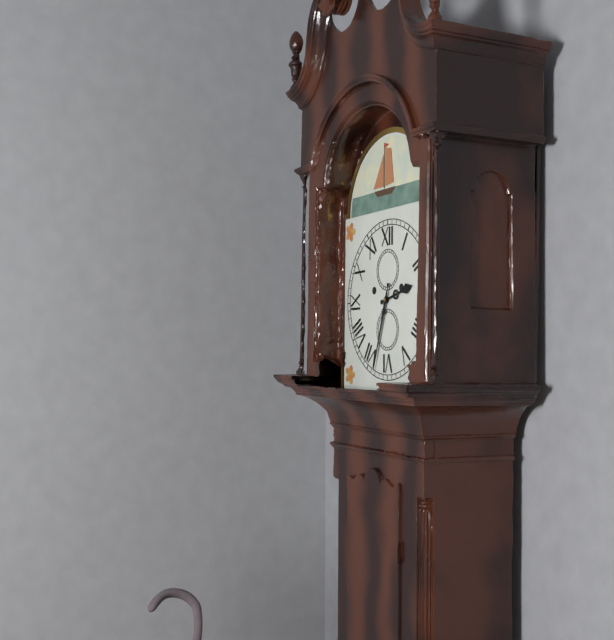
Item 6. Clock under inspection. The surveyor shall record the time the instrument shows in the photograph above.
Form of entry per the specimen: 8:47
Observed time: 2:33
